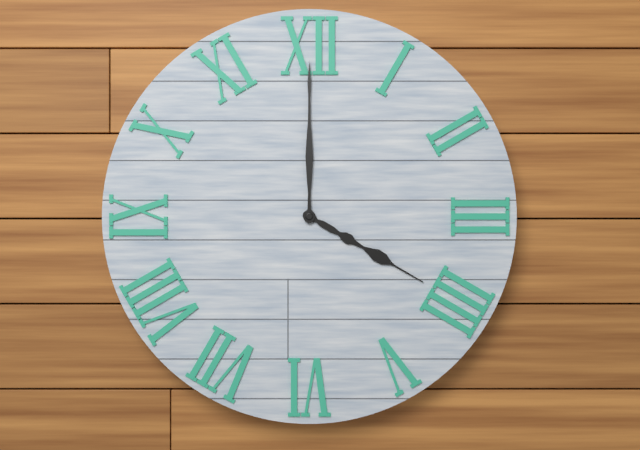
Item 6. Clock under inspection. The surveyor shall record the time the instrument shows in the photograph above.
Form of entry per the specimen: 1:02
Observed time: 4:00
